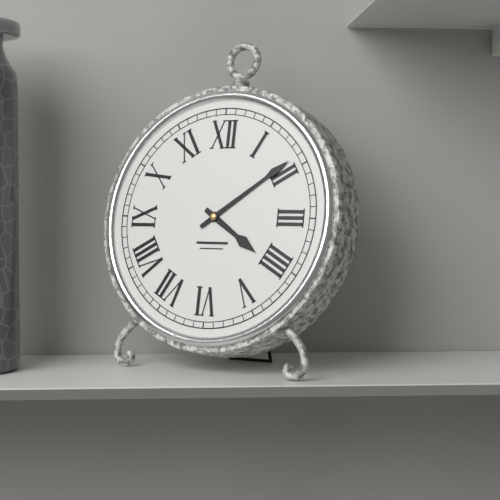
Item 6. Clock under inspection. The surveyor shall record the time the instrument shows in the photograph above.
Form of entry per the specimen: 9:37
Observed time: 4:09
